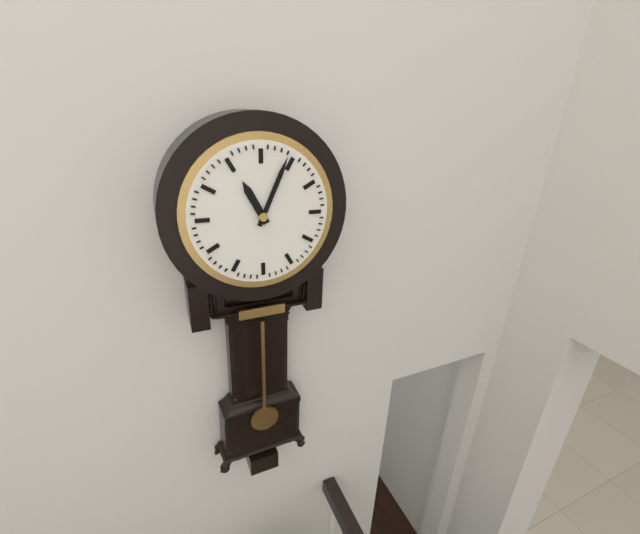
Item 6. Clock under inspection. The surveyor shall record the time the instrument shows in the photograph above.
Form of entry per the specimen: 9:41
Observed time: 11:04
